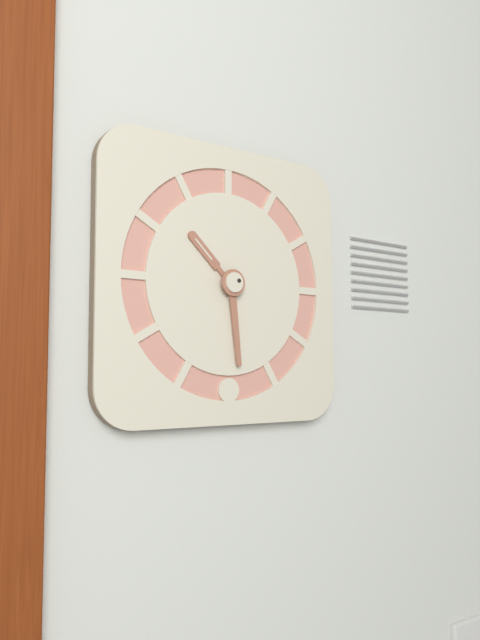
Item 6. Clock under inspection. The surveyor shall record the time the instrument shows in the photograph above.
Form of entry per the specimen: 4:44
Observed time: 10:29
